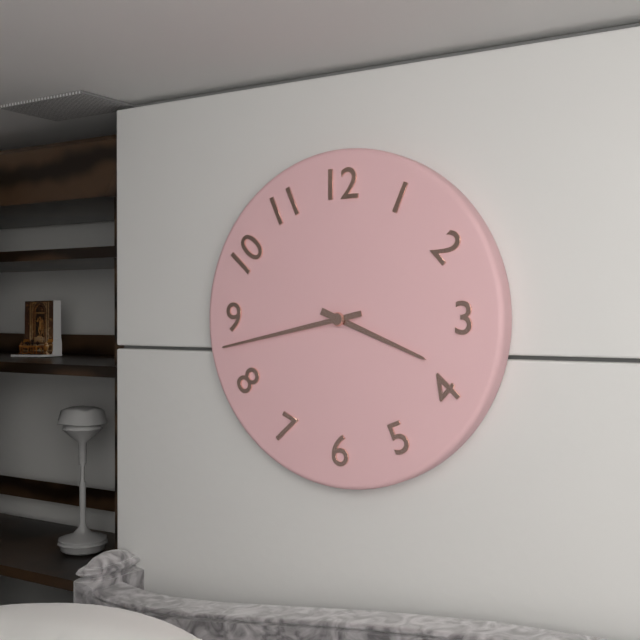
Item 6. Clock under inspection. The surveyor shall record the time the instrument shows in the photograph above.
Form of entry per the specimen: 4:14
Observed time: 3:43
